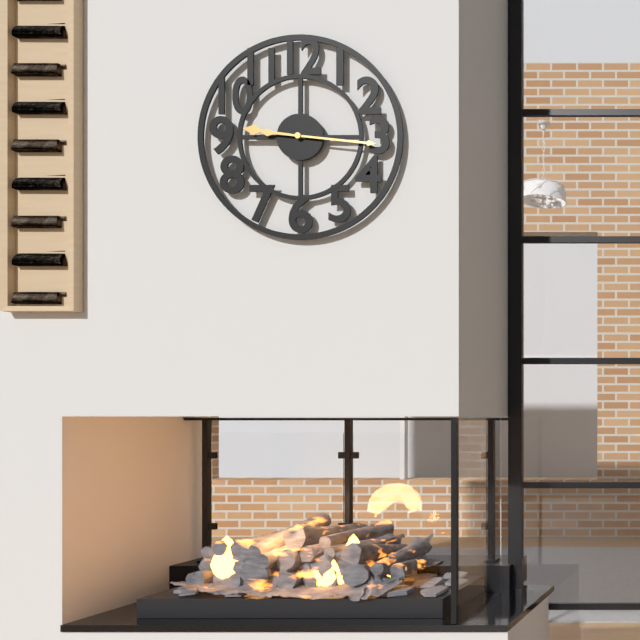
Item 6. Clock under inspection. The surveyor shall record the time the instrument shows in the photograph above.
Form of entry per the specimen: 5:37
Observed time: 9:16
